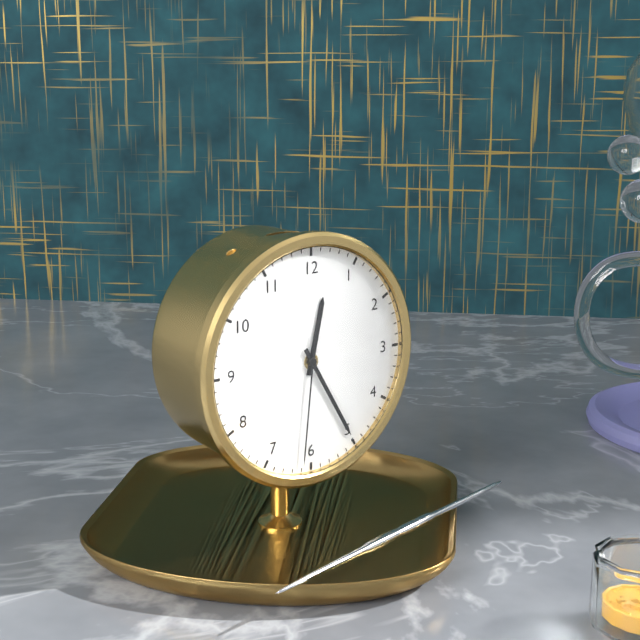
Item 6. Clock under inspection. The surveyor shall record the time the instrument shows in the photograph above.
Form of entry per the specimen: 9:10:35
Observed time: 12:25:31
